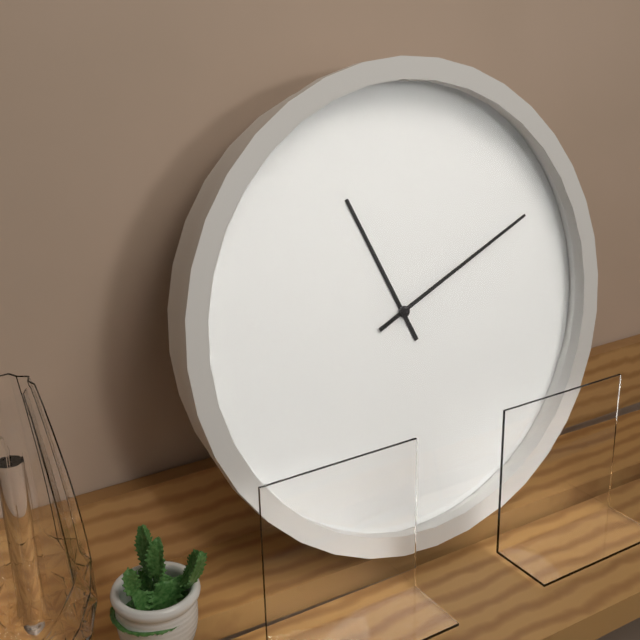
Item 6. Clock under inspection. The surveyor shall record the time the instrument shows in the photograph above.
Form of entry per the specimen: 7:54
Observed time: 11:11
